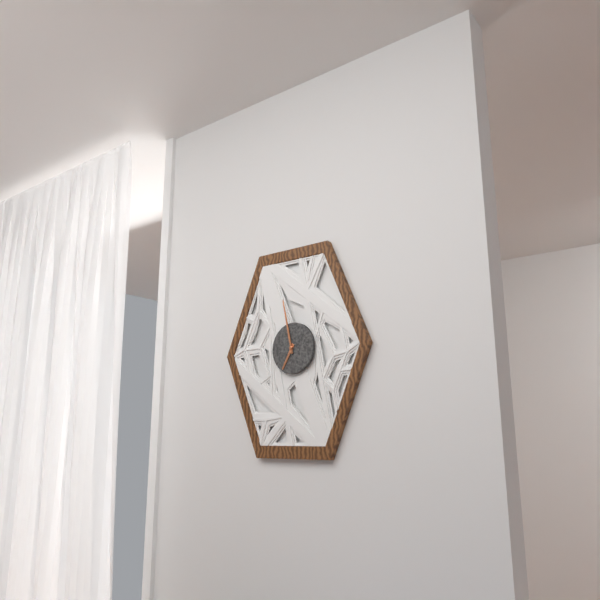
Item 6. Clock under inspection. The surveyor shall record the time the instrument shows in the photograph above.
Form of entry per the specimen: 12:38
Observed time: 6:58
